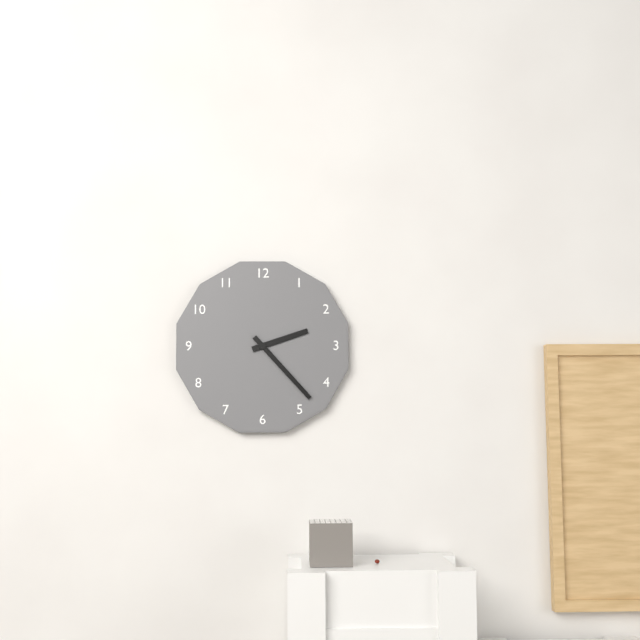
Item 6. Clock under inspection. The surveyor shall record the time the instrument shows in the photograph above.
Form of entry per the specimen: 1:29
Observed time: 2:23
